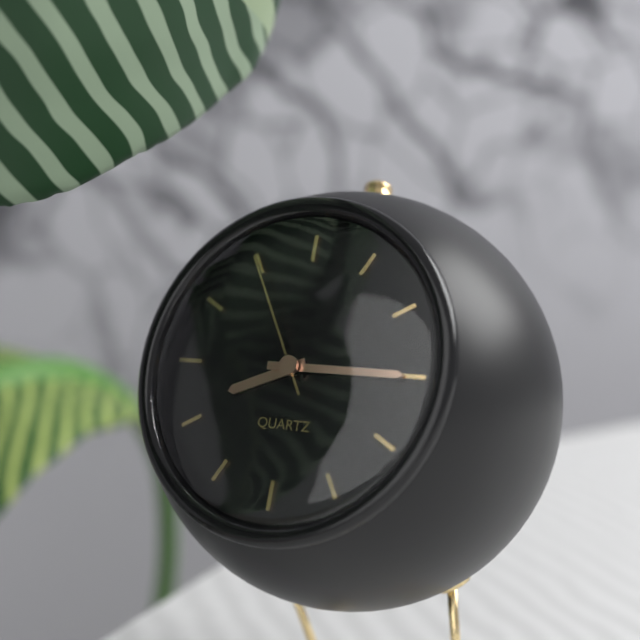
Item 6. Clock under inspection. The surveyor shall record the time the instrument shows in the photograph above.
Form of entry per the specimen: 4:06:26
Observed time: 8:15:55
